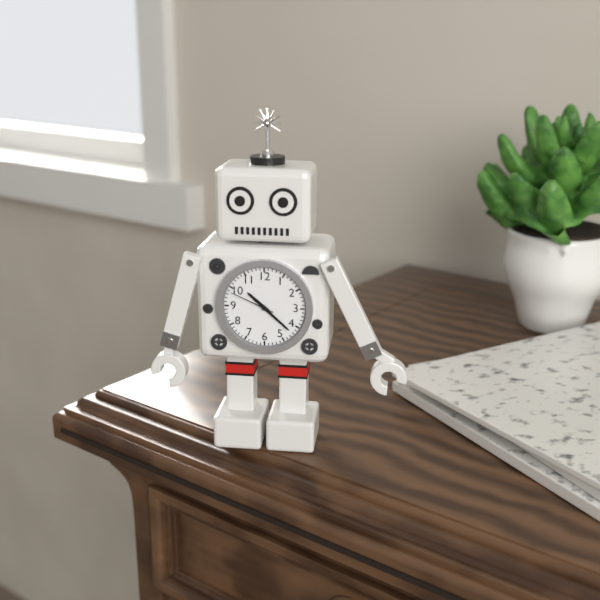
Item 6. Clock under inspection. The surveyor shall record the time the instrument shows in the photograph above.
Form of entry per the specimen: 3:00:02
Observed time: 10:22:49
